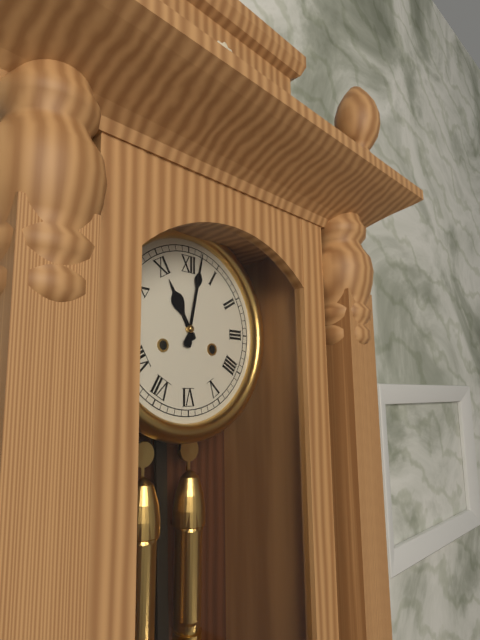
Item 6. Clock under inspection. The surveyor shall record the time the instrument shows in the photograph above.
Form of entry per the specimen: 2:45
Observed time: 11:02
